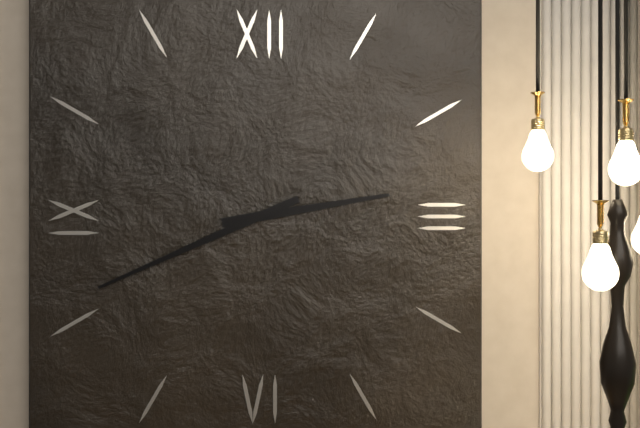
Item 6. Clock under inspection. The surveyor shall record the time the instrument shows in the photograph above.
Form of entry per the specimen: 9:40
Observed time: 2:41
